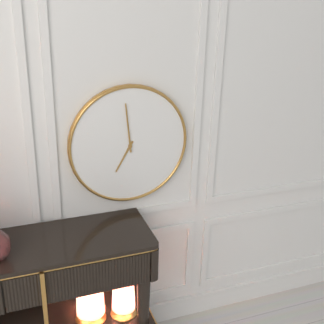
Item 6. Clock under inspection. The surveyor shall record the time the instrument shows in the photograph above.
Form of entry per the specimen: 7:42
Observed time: 6:59
